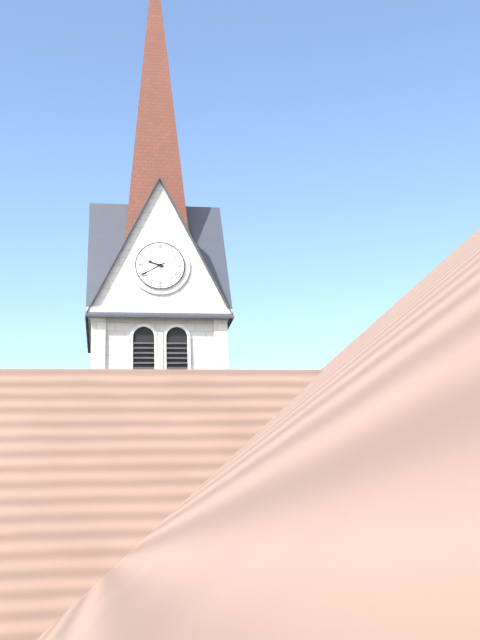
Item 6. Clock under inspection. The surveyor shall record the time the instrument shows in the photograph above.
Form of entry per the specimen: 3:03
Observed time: 9:40
